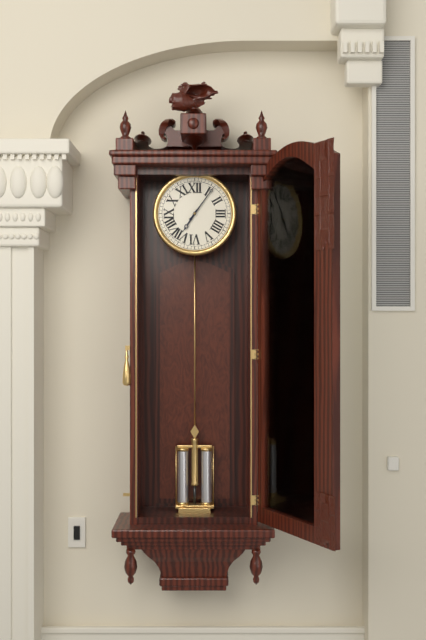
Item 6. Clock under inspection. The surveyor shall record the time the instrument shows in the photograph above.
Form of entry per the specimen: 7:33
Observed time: 7:06
